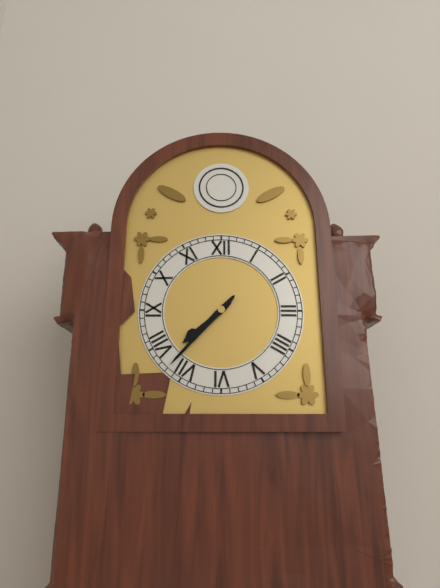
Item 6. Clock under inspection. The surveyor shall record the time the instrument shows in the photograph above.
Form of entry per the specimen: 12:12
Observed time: 7:37
